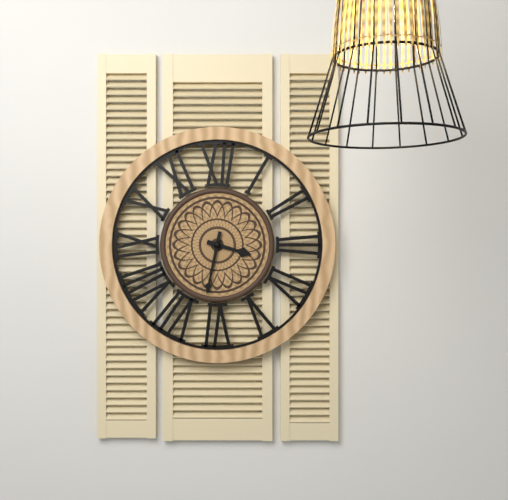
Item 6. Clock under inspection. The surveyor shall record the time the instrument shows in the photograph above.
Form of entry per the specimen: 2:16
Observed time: 3:32
